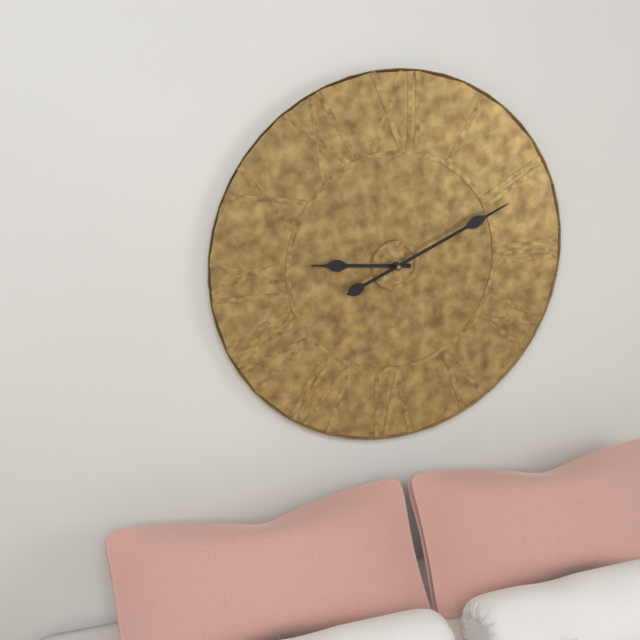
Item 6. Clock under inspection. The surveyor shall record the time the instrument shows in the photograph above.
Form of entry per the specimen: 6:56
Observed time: 9:11
